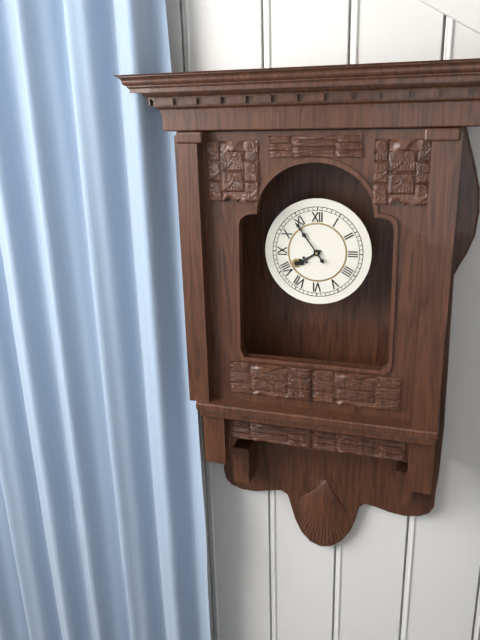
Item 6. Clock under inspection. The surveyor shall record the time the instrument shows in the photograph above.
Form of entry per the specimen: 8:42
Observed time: 7:54
